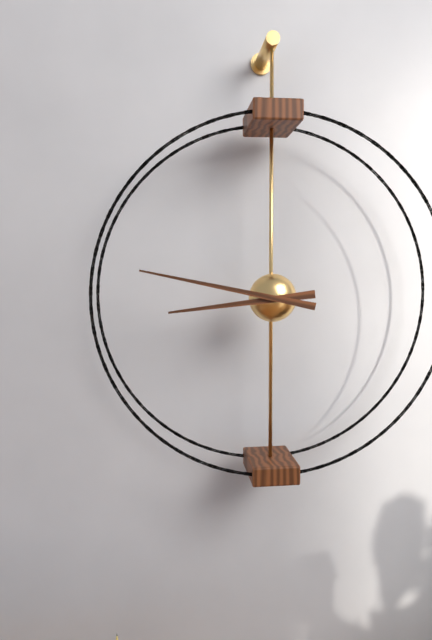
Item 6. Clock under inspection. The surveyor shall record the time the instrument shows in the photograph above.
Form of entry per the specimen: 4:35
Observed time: 8:47
